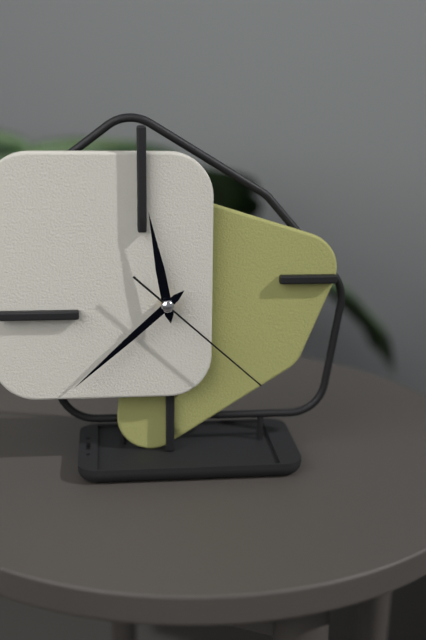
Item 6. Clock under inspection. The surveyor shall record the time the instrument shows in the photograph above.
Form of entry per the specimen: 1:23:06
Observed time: 11:38:22
